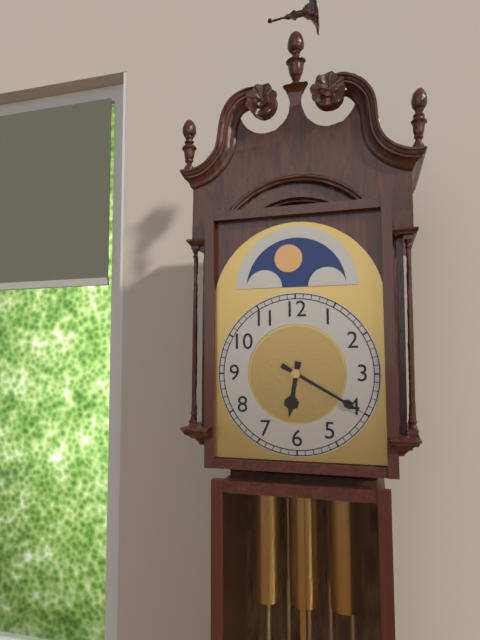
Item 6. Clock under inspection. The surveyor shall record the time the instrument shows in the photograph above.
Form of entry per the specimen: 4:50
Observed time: 6:20
